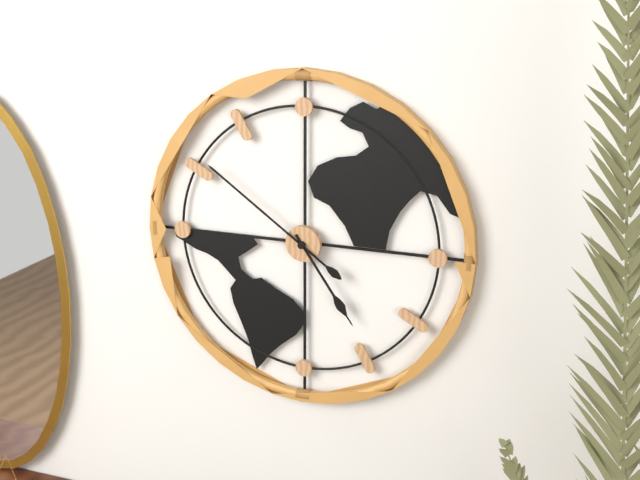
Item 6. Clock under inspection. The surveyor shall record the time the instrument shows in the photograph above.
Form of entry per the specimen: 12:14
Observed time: 4:51
